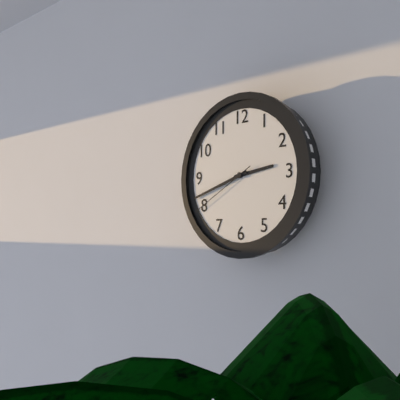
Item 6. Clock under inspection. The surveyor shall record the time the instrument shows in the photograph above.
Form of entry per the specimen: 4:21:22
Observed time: 2:42:40
